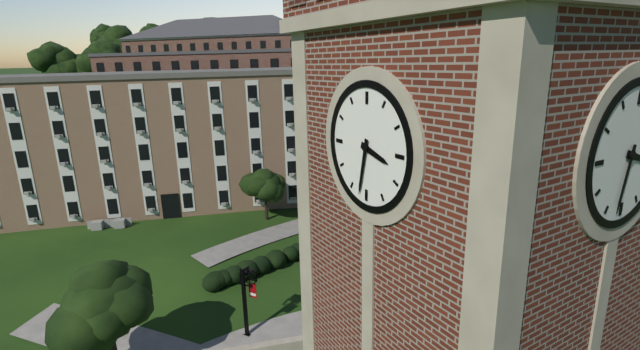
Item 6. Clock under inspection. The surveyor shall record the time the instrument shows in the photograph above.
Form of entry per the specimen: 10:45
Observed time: 3:32
